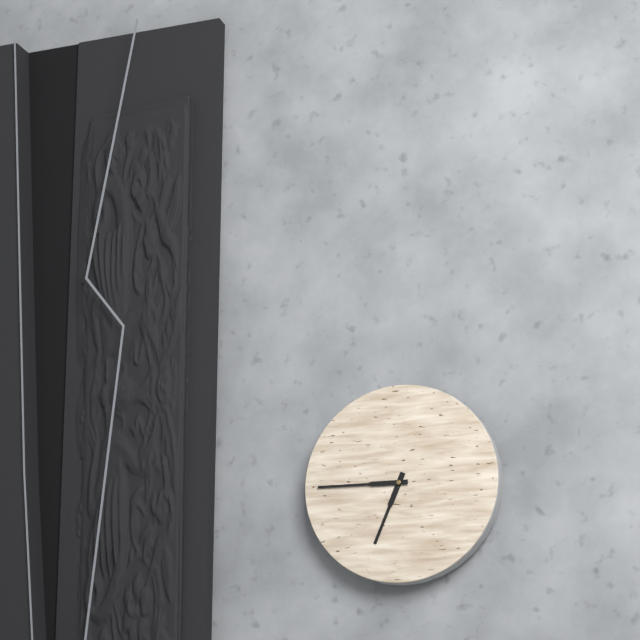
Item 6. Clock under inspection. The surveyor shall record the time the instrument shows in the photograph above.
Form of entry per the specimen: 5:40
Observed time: 6:45
